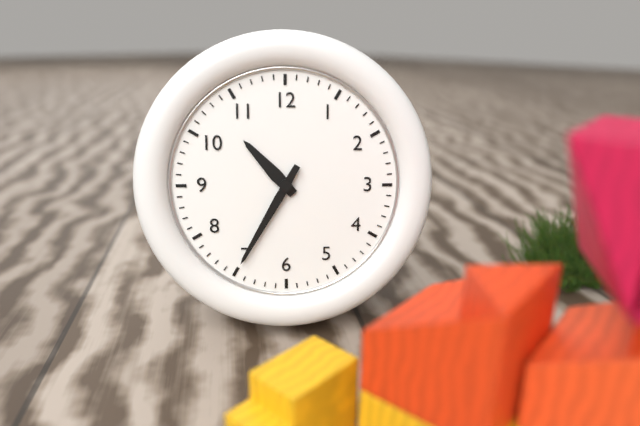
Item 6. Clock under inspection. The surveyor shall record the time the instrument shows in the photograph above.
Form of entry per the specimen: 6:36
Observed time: 10:35
